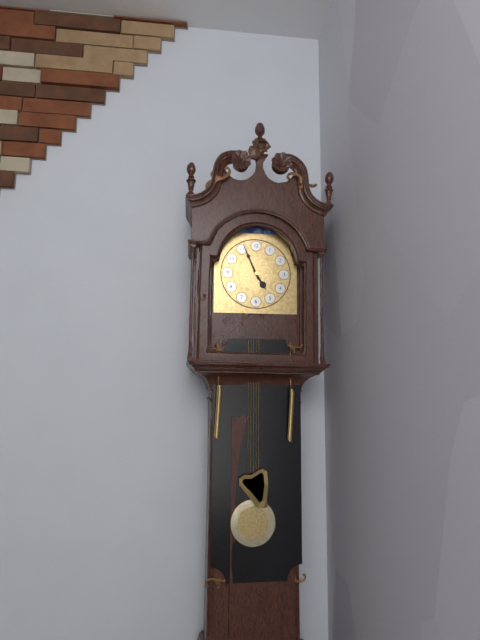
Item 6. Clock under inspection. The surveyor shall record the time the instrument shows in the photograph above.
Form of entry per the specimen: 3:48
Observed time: 4:56
